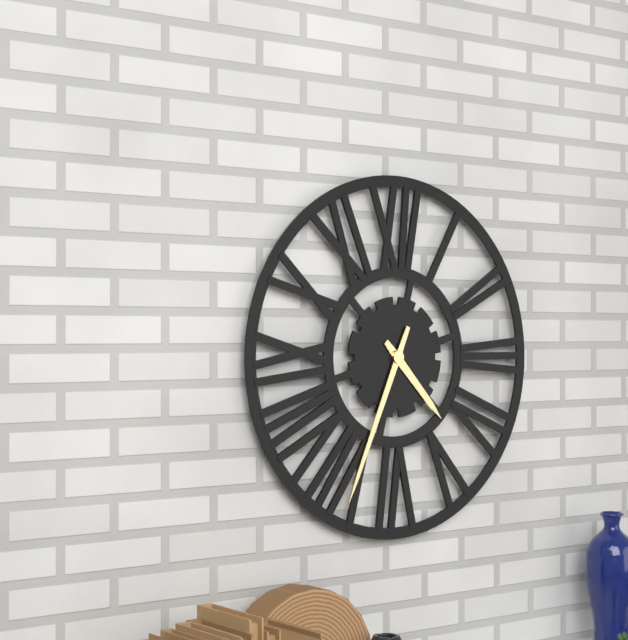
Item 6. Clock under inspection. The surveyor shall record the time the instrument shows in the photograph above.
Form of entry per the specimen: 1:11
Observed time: 4:34
